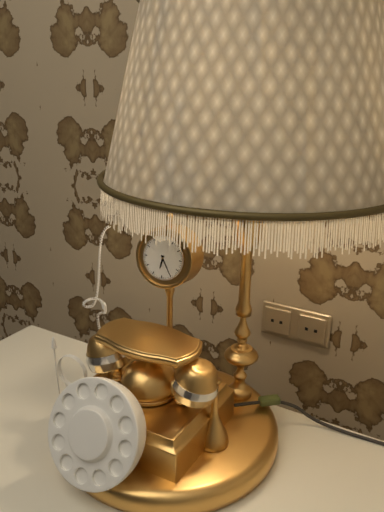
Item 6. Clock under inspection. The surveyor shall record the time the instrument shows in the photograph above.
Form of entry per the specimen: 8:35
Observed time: 6:25
